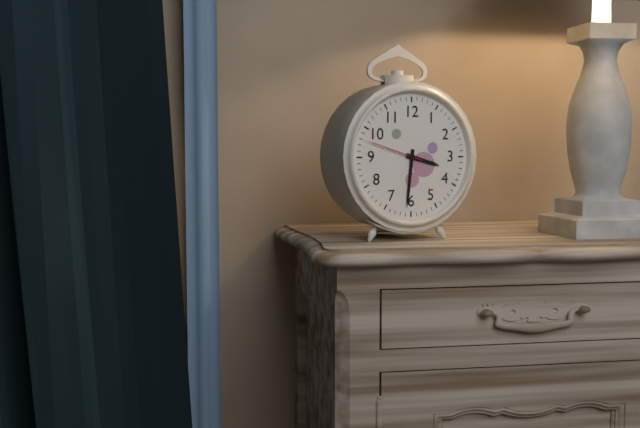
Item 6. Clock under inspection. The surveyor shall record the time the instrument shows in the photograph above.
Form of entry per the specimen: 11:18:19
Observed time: 3:31:48
